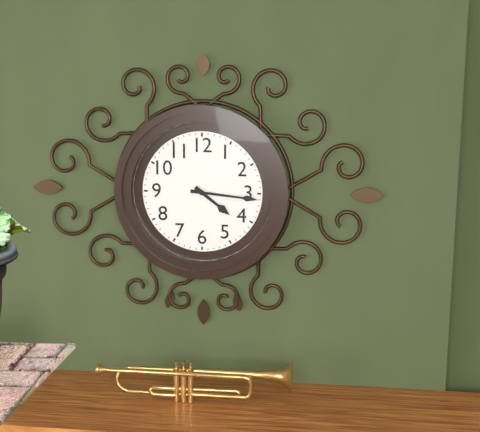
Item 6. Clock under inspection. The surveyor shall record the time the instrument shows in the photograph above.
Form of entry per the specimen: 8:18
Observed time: 4:16
